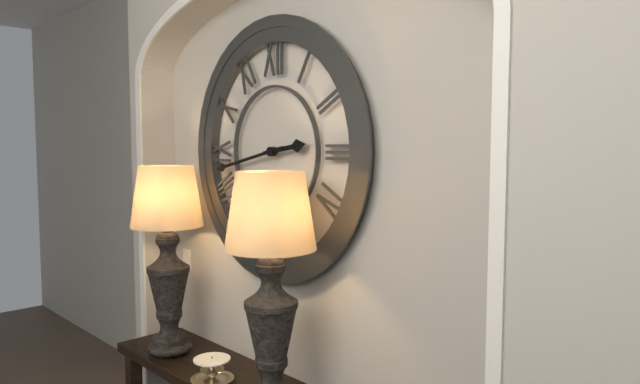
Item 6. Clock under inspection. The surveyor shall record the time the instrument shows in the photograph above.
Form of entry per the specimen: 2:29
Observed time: 2:43
